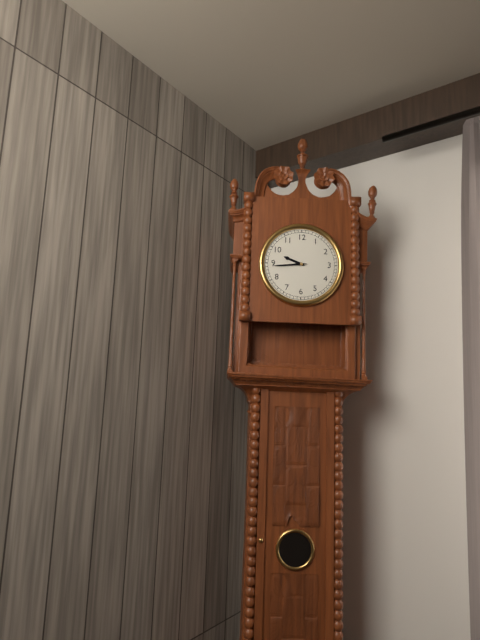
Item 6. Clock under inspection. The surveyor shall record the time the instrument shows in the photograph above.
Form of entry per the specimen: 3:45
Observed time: 9:44
